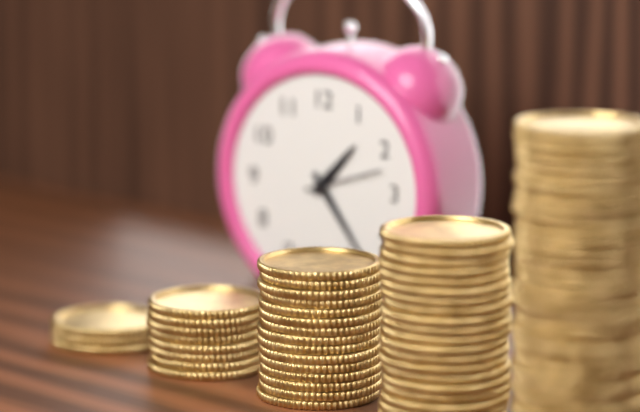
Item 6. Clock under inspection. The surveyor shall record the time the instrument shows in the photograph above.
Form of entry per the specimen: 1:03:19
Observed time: 1:24:12
